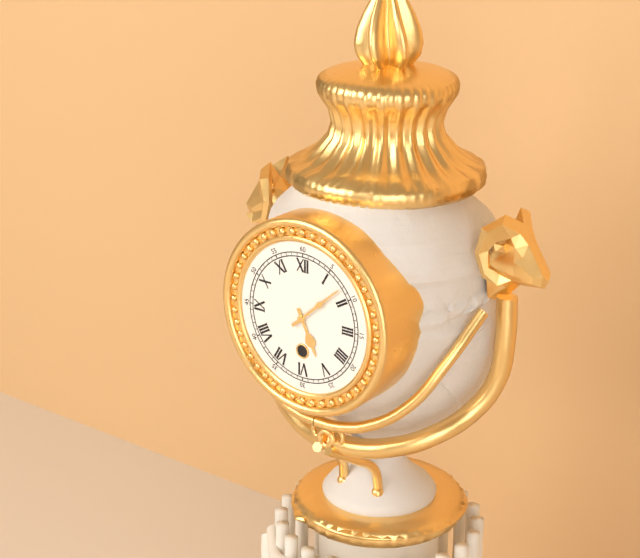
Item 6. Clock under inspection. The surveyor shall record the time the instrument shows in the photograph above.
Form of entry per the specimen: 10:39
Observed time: 5:08
